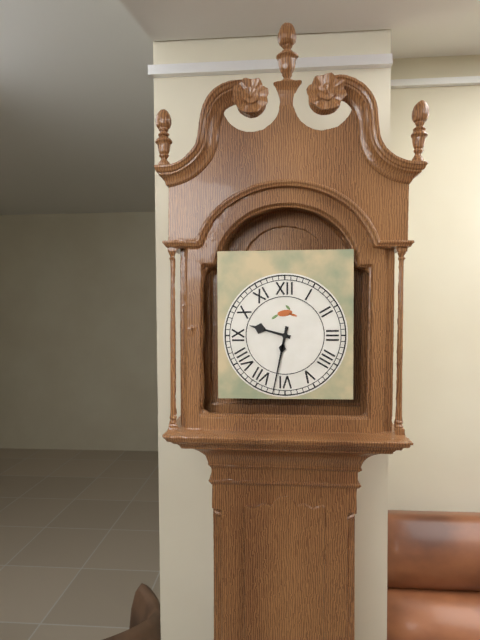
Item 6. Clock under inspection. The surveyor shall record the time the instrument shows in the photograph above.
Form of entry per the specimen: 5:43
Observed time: 9:32
